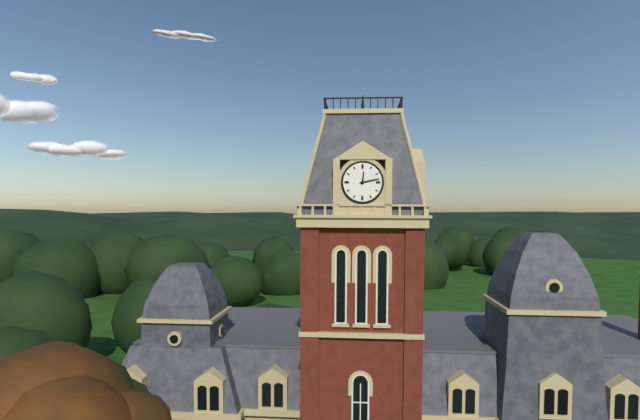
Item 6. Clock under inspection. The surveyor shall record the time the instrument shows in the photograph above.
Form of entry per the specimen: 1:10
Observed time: 12:13
